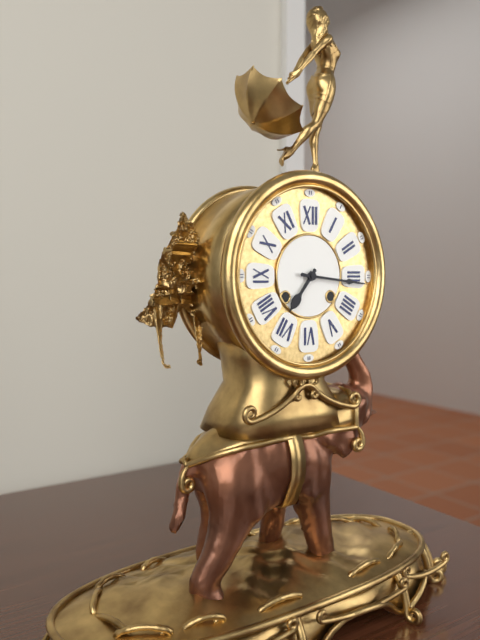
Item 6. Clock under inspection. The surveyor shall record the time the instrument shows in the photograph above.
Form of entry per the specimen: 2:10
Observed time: 7:16
